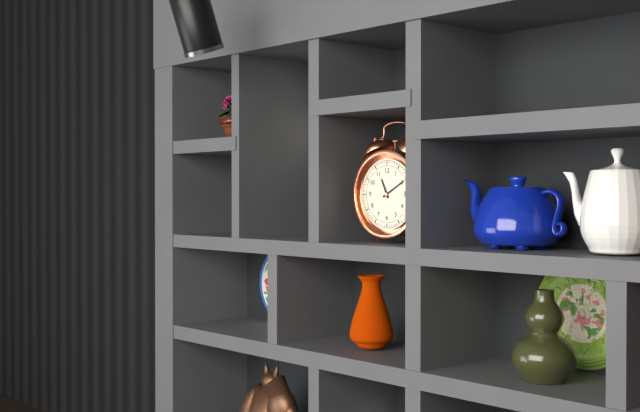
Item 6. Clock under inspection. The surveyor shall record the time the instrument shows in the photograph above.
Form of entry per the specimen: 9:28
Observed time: 11:10
